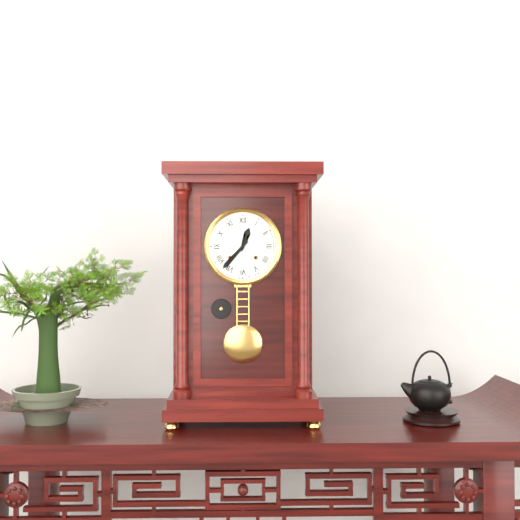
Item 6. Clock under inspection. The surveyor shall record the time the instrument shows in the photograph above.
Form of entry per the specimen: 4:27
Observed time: 12:37
